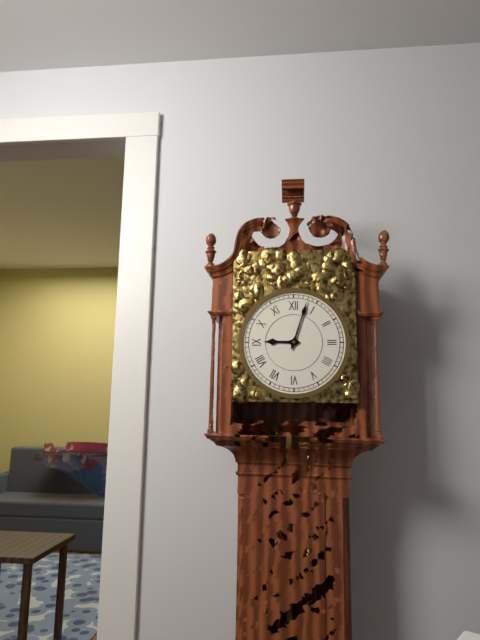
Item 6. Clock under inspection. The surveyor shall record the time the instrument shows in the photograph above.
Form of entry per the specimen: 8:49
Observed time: 9:03
